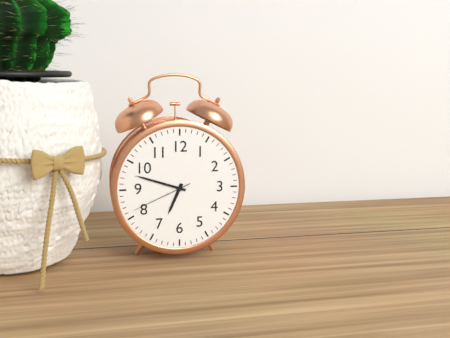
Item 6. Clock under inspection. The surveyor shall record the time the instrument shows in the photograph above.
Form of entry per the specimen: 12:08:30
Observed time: 6:48:41
